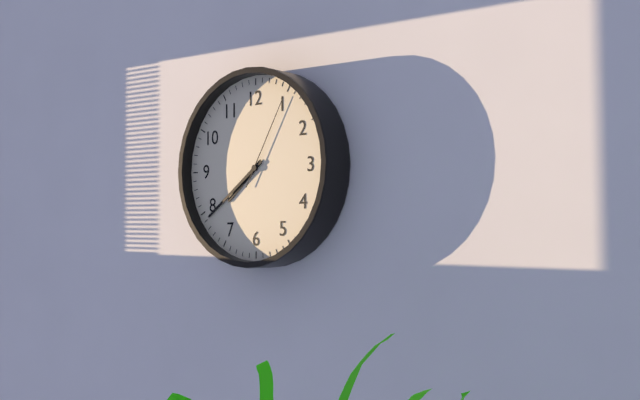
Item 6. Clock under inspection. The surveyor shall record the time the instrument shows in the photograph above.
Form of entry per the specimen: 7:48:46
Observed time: 7:39:05
